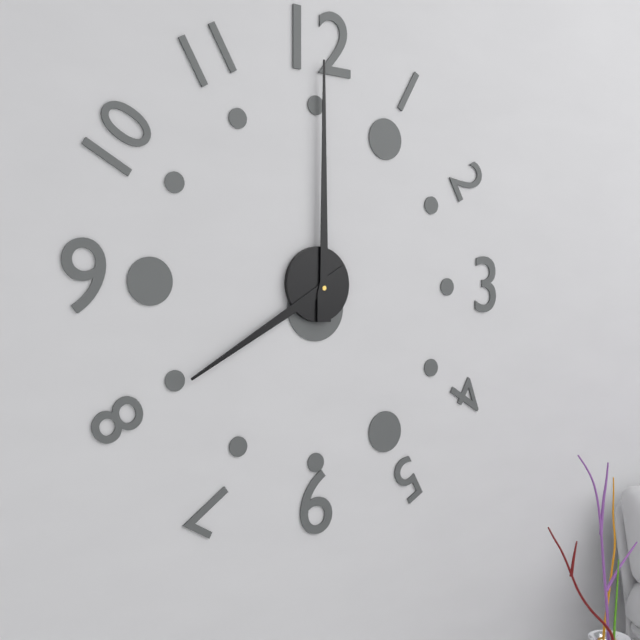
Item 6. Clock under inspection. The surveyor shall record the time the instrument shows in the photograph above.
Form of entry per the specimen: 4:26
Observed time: 8:00
